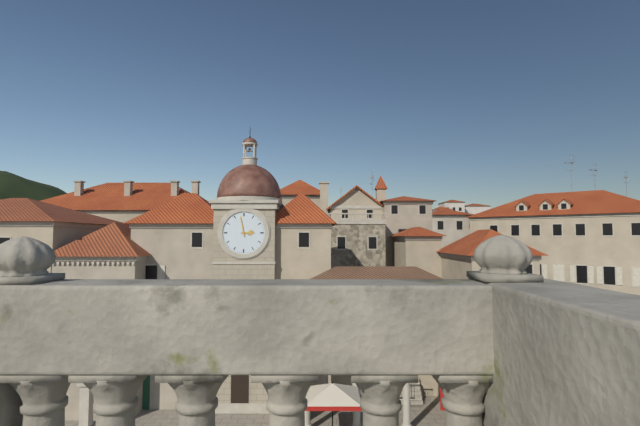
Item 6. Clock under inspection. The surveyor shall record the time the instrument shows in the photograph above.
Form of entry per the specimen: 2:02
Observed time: 2:58
